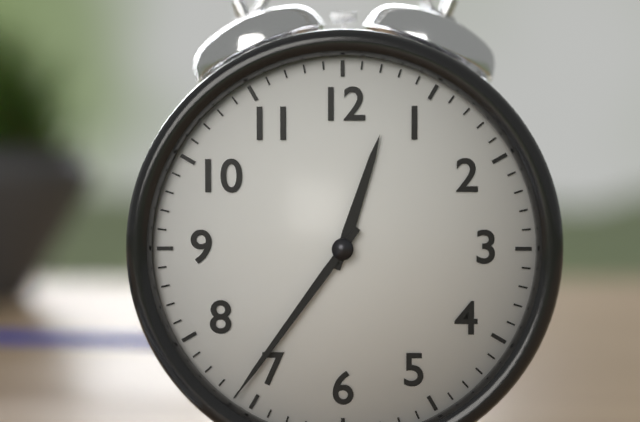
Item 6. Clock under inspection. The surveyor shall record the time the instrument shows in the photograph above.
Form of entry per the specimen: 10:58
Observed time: 12:36
